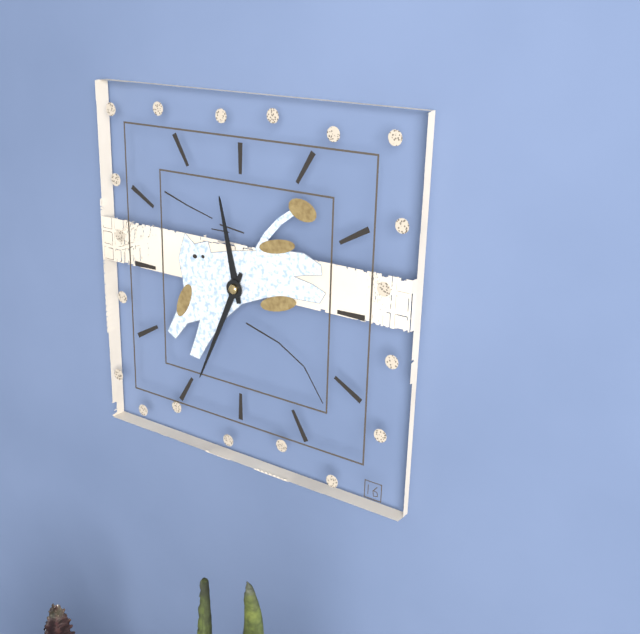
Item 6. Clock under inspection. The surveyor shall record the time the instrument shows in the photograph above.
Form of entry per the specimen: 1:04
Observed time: 11:34
